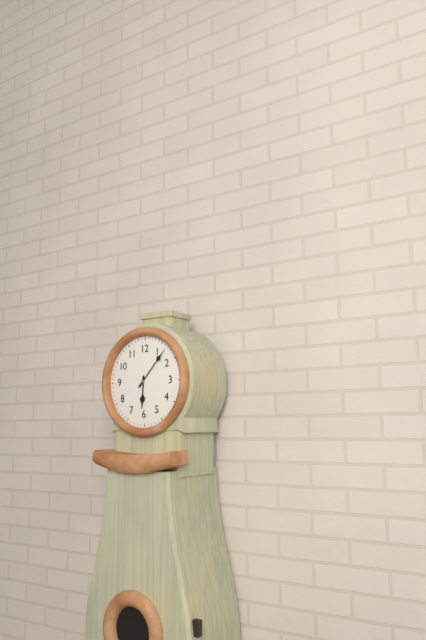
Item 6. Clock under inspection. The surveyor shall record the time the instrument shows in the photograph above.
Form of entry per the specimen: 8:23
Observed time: 6:07
